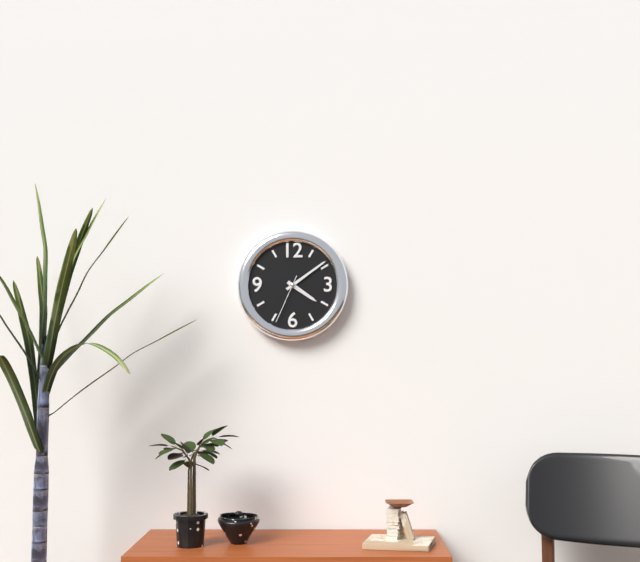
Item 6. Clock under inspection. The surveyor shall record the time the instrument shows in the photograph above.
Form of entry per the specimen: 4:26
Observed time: 4:09
